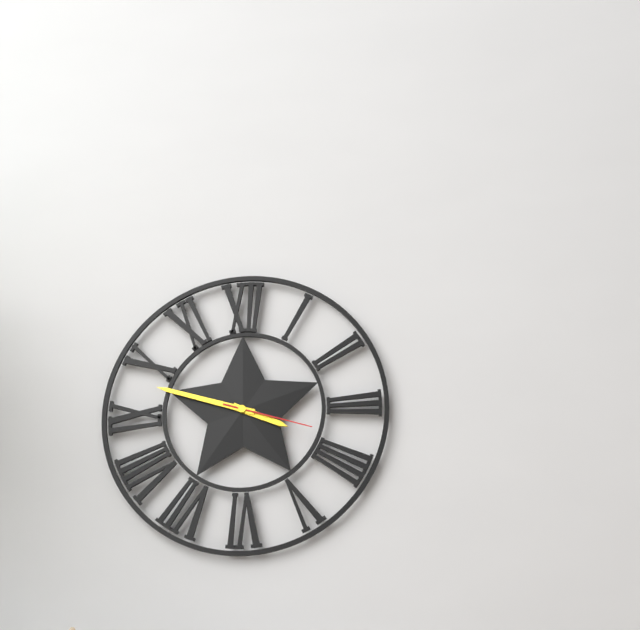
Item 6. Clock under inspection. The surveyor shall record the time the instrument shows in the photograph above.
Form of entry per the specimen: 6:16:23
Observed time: 3:48:18
